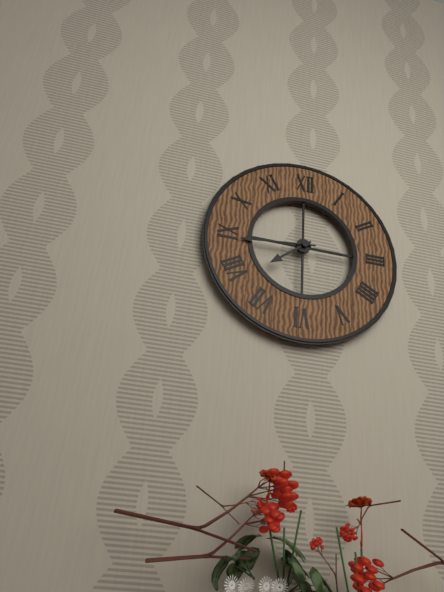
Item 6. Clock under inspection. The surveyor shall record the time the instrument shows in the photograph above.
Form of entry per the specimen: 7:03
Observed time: 7:44
